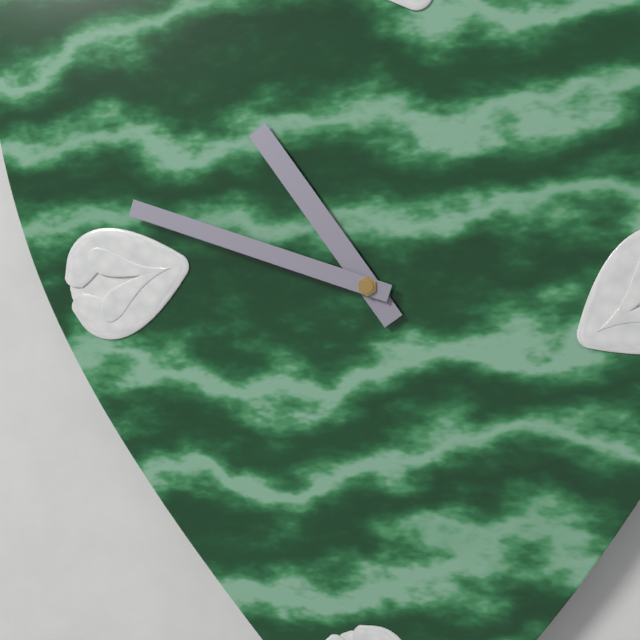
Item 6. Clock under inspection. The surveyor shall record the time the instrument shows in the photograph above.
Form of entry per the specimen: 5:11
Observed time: 10:48
